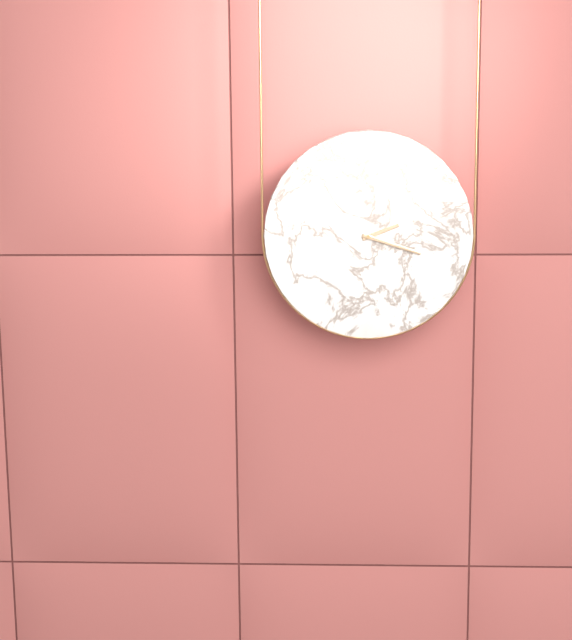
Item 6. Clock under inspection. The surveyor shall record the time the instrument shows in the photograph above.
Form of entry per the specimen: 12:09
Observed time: 2:18
